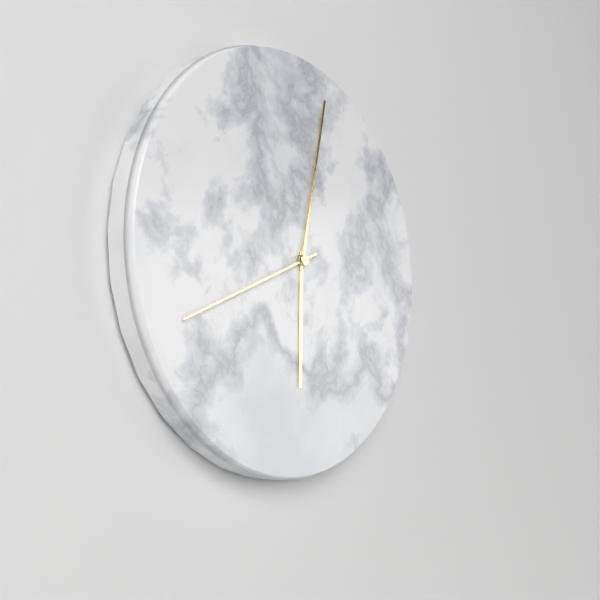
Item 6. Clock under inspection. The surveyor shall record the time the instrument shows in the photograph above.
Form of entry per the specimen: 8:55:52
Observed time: 6:02:41
